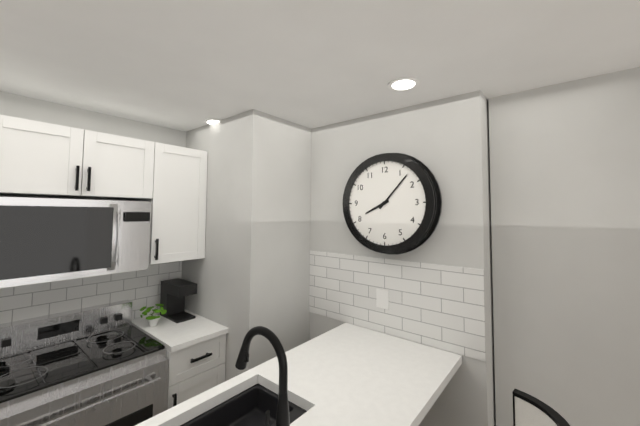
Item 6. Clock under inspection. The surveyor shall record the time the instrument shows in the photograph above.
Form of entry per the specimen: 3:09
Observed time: 8:07
